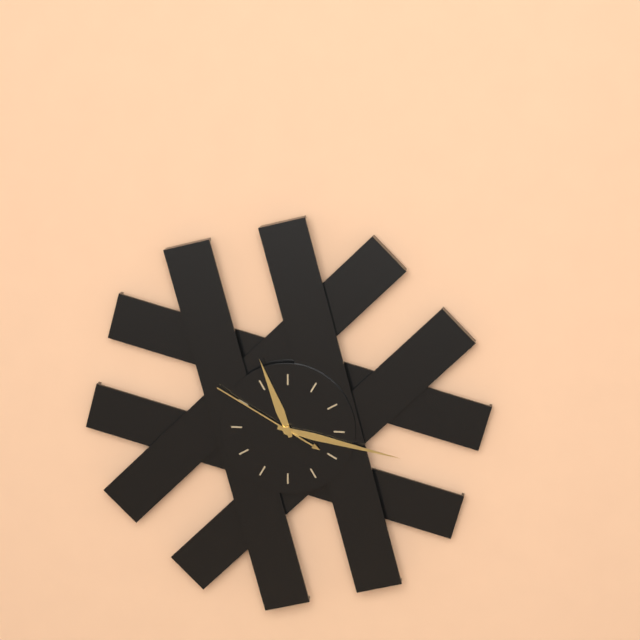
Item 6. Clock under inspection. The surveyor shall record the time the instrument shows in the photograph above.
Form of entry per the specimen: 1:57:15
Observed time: 11:17:50
